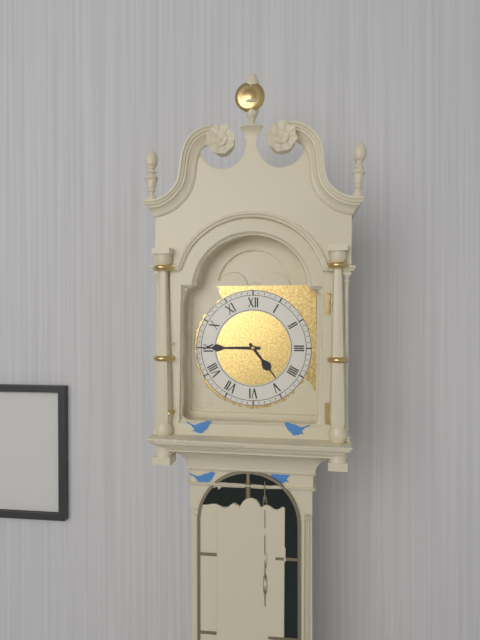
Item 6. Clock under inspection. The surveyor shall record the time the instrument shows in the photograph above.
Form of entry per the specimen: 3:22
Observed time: 4:45
